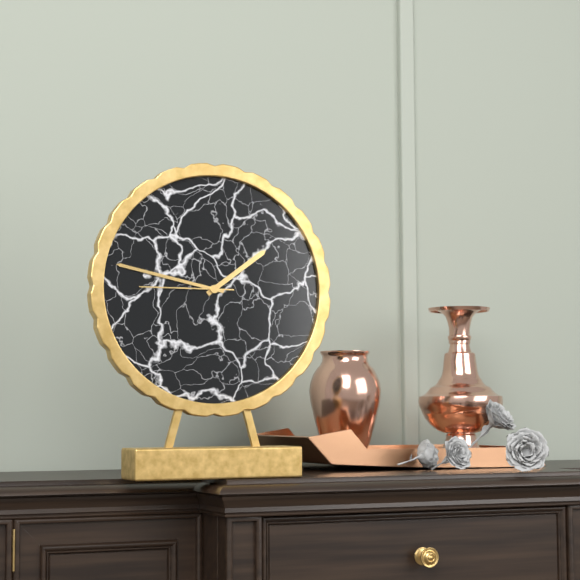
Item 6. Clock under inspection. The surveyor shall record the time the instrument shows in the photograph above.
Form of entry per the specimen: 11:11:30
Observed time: 1:47:45
